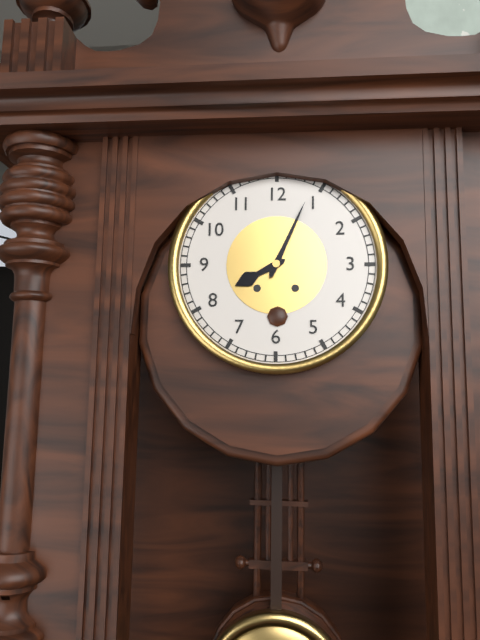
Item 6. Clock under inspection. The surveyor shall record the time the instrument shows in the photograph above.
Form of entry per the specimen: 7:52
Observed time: 8:04
